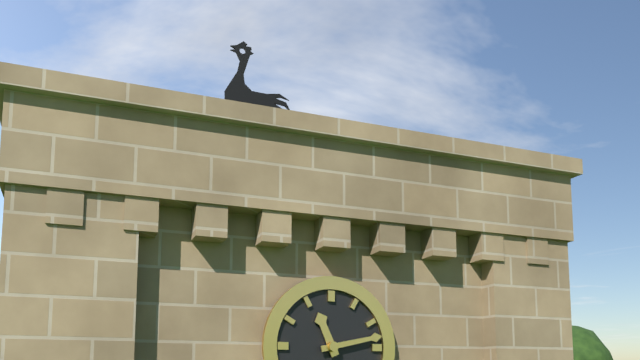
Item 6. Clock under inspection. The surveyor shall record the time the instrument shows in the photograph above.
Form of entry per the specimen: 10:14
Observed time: 11:13
